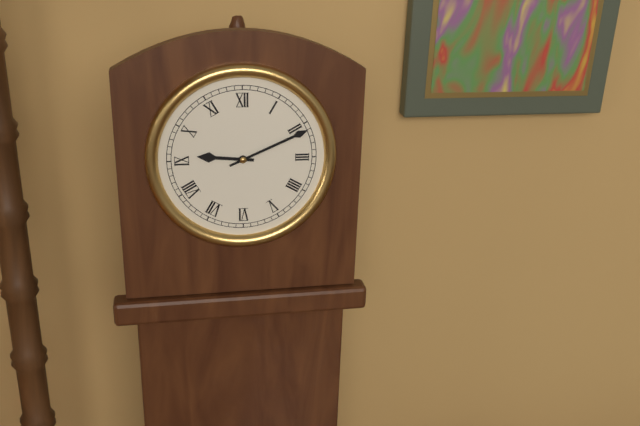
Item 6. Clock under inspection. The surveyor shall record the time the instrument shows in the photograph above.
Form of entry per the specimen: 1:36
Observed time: 9:11
